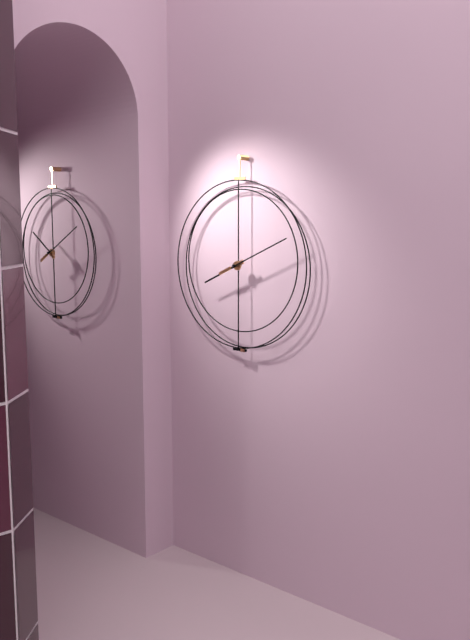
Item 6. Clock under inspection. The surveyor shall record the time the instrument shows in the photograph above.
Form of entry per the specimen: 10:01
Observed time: 8:11
